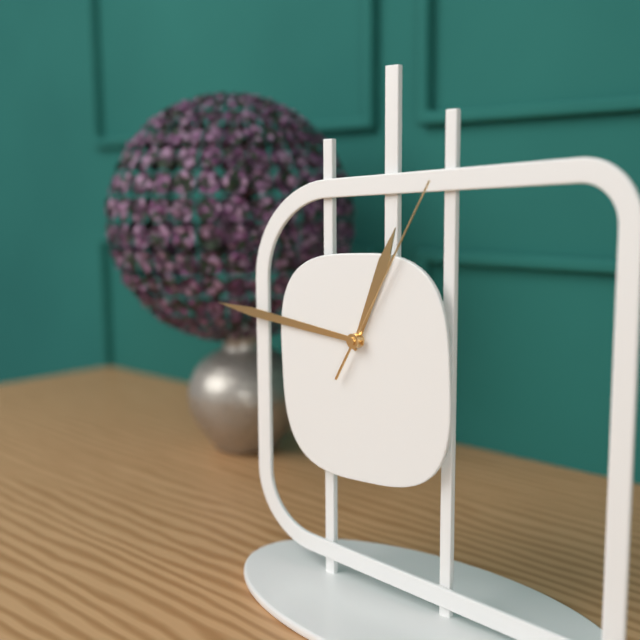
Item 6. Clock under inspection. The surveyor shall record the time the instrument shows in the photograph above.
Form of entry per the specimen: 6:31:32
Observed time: 12:46:05
